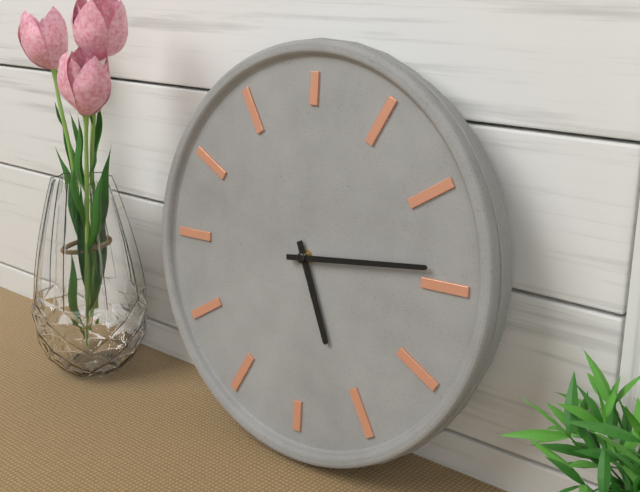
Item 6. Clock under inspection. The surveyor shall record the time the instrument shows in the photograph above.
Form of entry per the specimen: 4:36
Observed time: 5:14
